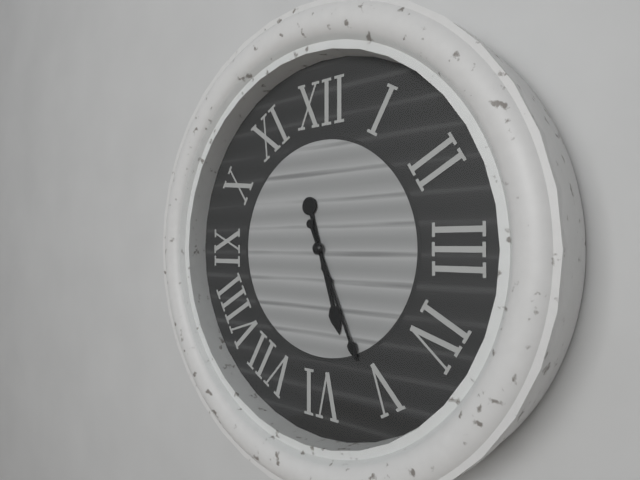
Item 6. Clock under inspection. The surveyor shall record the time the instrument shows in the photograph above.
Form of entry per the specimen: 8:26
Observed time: 5:26
